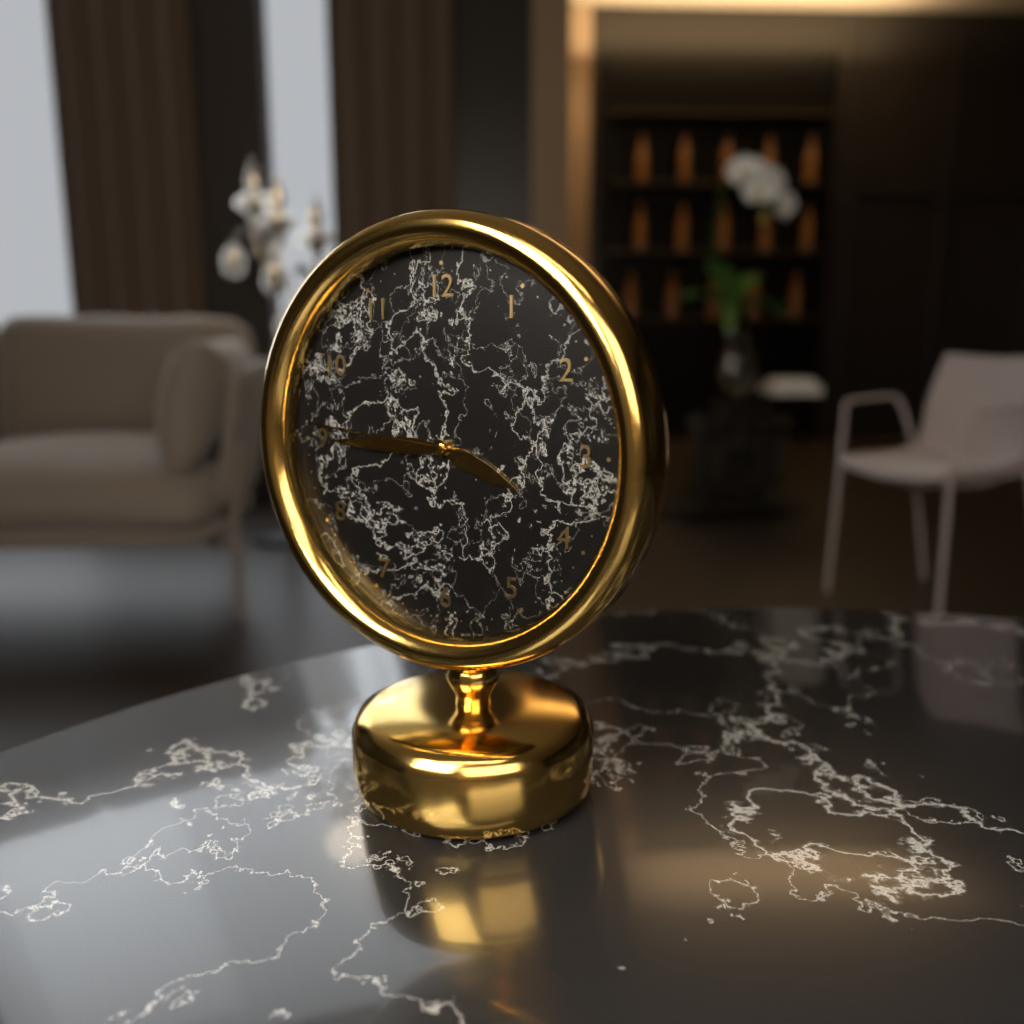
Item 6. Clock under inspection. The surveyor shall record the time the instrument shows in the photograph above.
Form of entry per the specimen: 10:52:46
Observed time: 3:45:46
